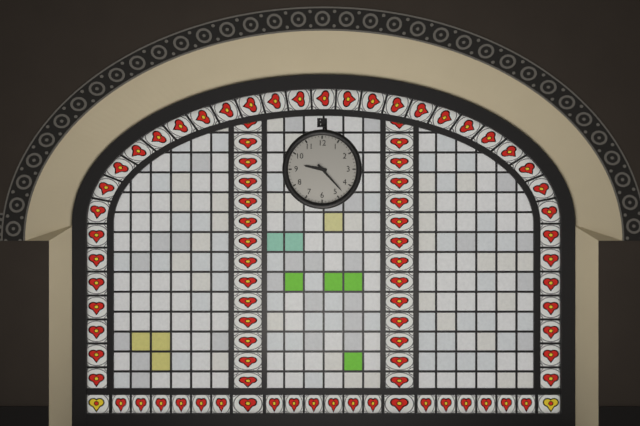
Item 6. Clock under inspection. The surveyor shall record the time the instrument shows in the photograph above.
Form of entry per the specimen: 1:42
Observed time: 9:23
